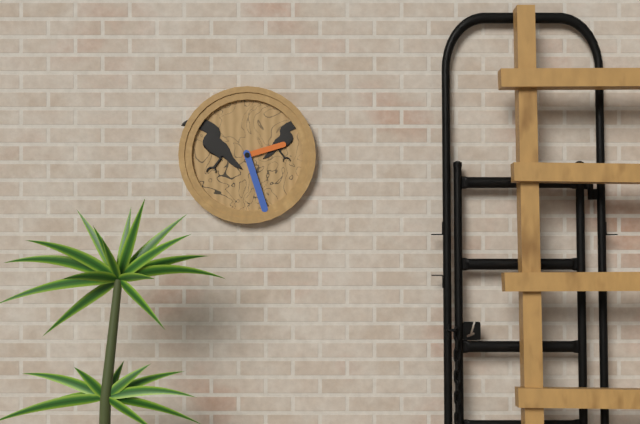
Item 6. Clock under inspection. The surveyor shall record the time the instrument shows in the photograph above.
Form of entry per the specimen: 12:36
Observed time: 2:27
